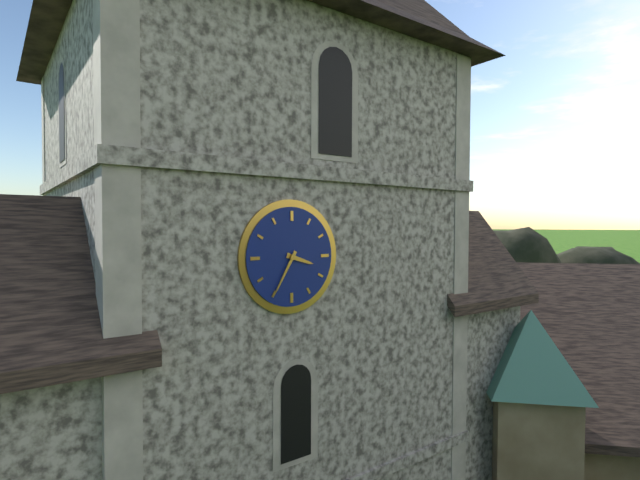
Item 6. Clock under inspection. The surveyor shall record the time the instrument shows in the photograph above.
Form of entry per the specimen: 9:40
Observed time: 3:35
